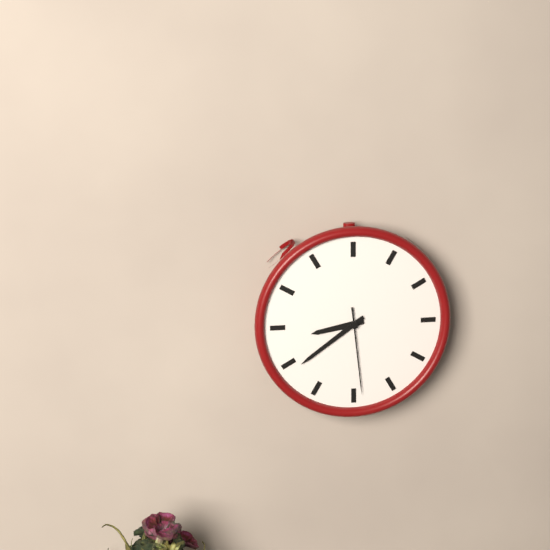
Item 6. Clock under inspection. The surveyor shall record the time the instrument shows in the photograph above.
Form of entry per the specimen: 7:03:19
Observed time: 8:39:29
